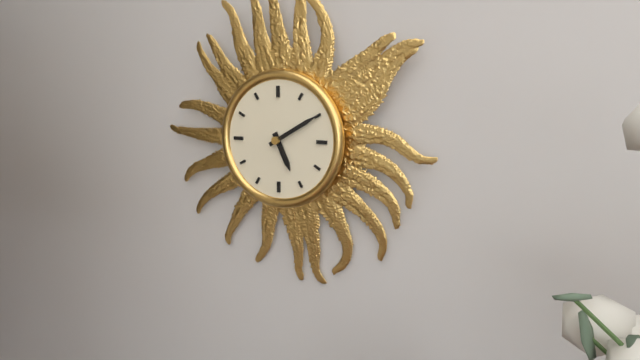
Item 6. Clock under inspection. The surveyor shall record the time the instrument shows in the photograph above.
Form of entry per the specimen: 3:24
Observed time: 5:10
